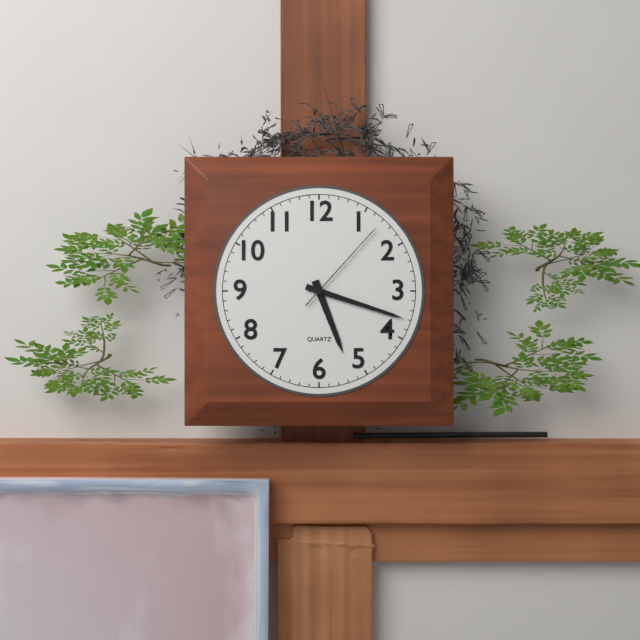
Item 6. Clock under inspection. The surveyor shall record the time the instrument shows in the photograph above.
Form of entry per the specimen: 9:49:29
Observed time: 5:18:07
